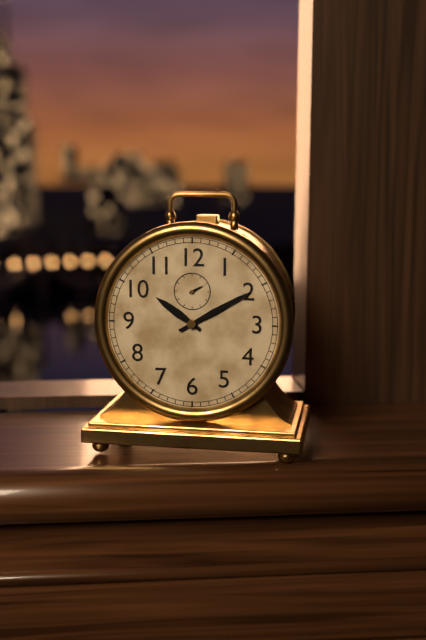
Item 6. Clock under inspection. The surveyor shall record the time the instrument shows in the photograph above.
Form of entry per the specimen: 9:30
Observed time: 10:10
